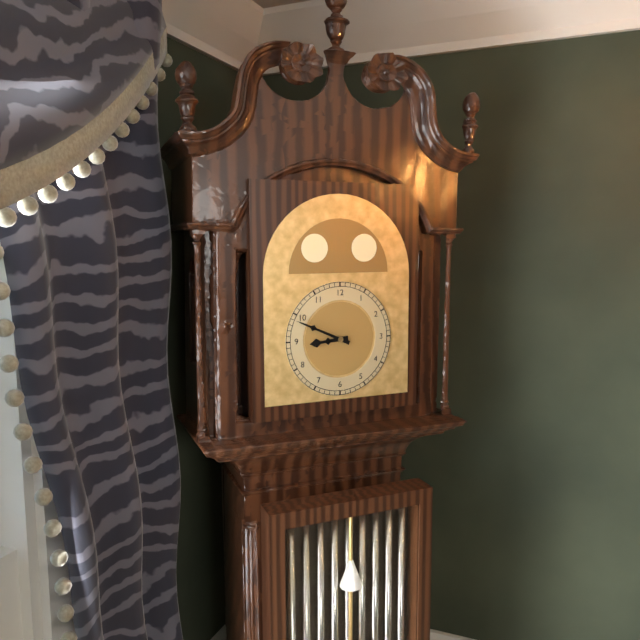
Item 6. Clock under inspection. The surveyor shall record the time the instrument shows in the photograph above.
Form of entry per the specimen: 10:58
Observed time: 8:49
